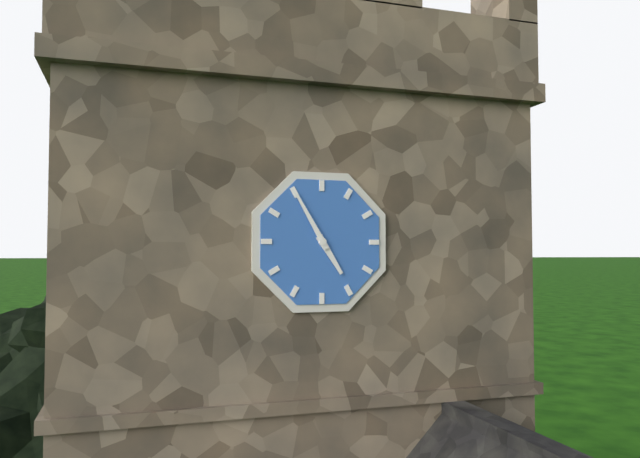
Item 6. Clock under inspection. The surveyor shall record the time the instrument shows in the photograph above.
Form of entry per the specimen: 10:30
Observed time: 4:55
